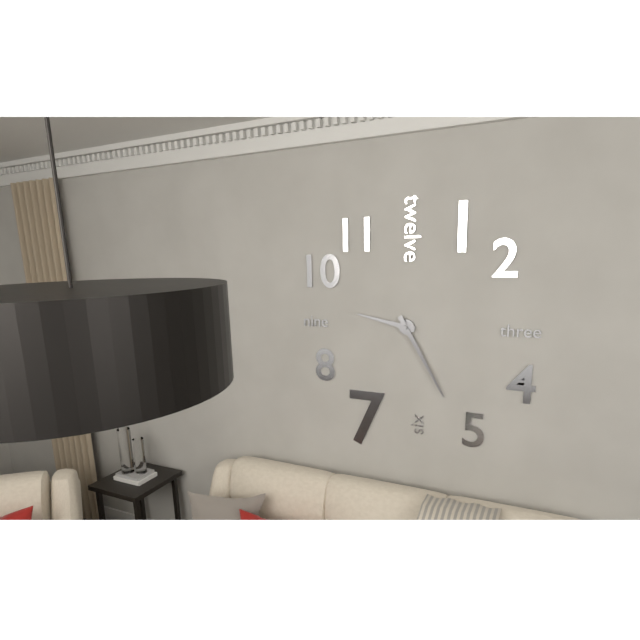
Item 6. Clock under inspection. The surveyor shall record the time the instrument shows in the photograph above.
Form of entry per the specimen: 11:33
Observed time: 9:25
